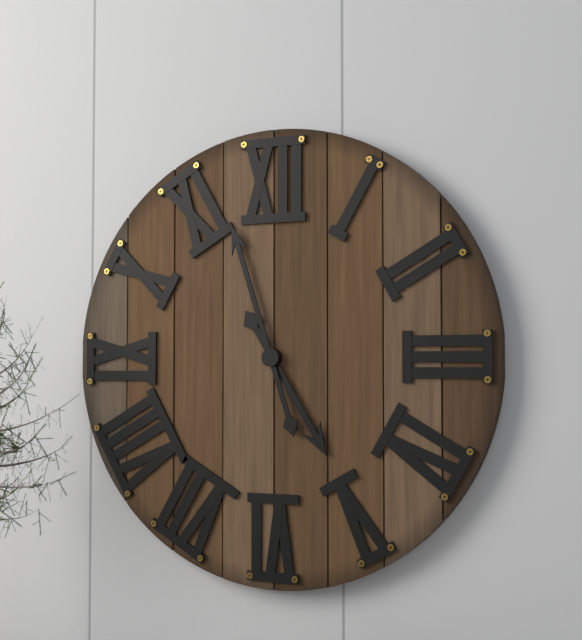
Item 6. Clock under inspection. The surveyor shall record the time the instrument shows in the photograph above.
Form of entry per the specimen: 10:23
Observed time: 4:57
